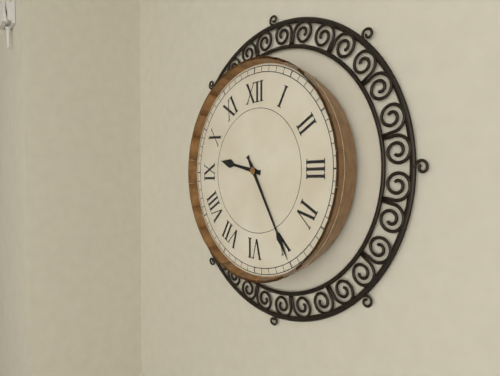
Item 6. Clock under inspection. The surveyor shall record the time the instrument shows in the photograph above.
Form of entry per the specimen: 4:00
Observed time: 9:25
